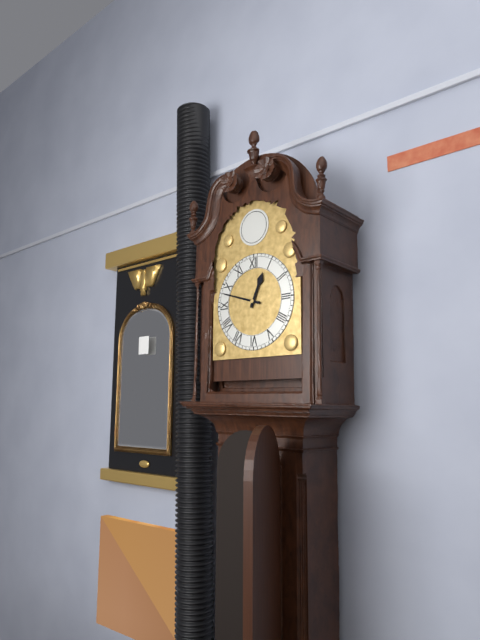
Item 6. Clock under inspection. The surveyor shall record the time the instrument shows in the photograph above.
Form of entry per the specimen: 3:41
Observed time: 12:48
